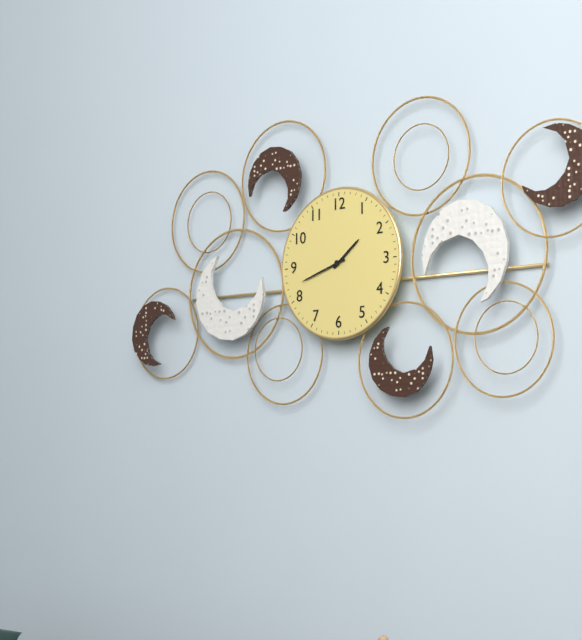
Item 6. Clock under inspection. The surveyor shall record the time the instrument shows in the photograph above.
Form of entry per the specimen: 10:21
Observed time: 1:42
